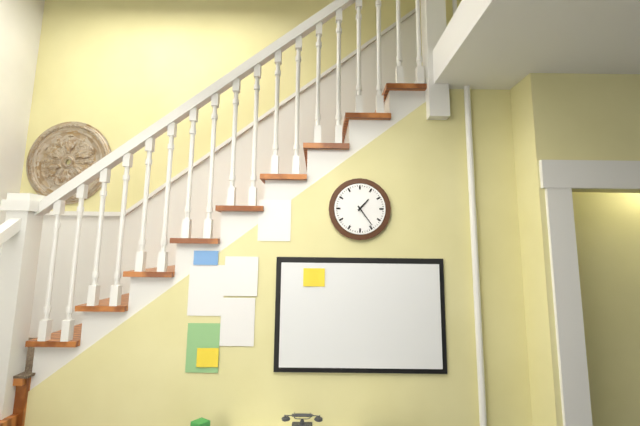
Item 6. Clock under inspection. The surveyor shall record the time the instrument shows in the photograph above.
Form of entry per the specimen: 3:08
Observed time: 1:24
